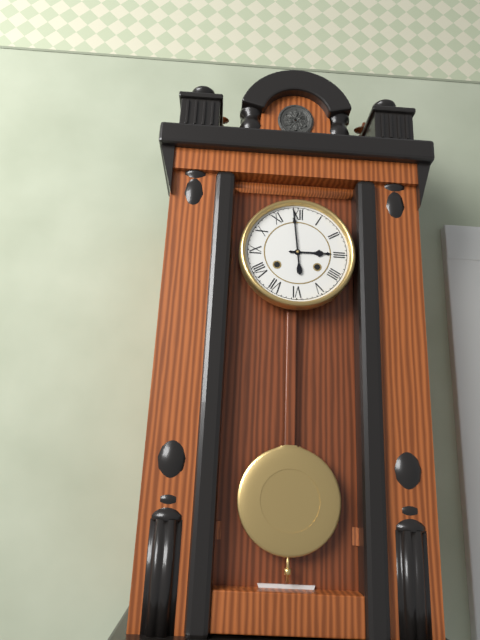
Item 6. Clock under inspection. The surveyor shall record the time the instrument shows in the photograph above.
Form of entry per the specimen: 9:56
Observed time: 2:59
